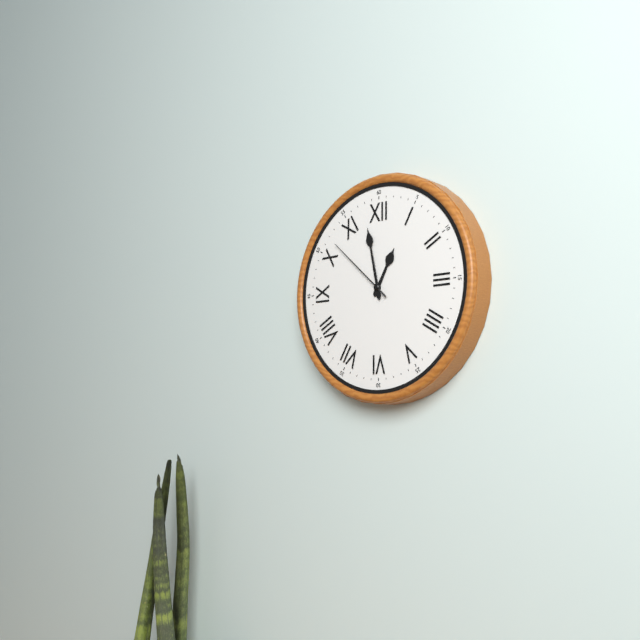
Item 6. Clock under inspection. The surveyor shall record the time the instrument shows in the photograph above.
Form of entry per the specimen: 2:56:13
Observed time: 12:58:52
